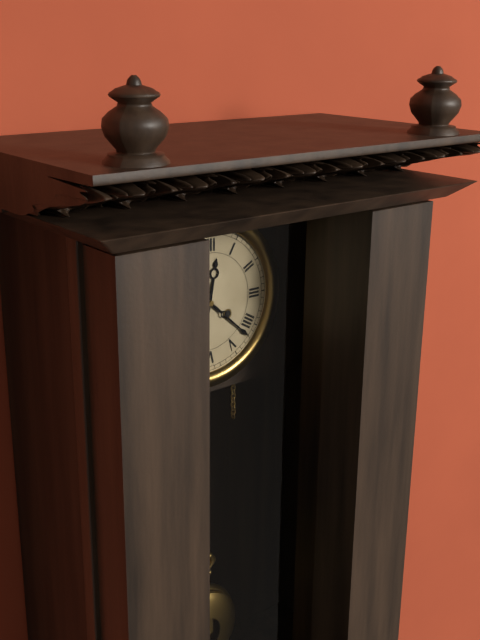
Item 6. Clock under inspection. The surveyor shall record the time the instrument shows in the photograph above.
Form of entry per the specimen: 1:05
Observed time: 12:22
